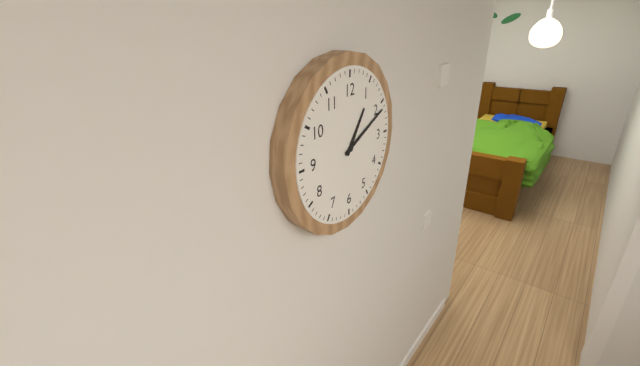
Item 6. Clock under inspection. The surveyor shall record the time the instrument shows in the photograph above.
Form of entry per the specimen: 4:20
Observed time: 1:11
